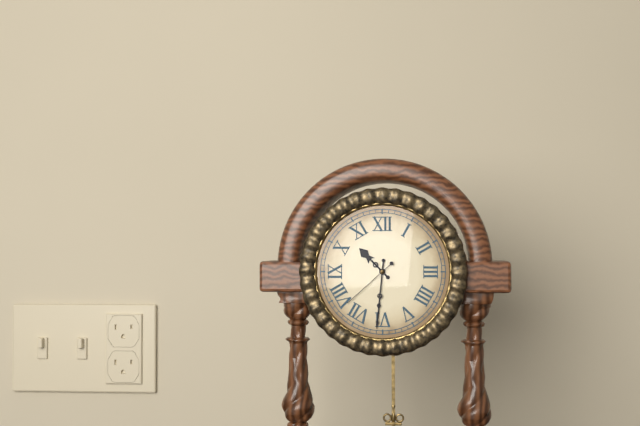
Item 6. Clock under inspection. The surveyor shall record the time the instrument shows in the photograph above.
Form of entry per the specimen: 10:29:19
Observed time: 10:31:38
